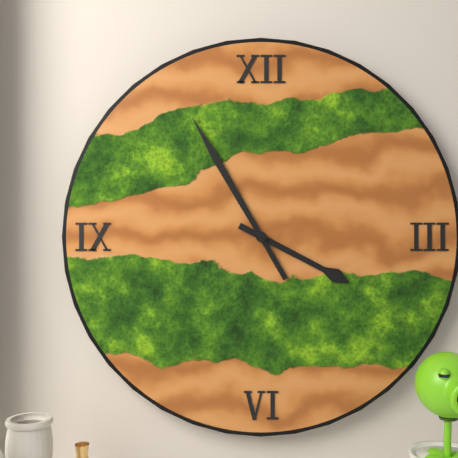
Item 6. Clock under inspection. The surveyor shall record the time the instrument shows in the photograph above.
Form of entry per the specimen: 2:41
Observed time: 3:55
